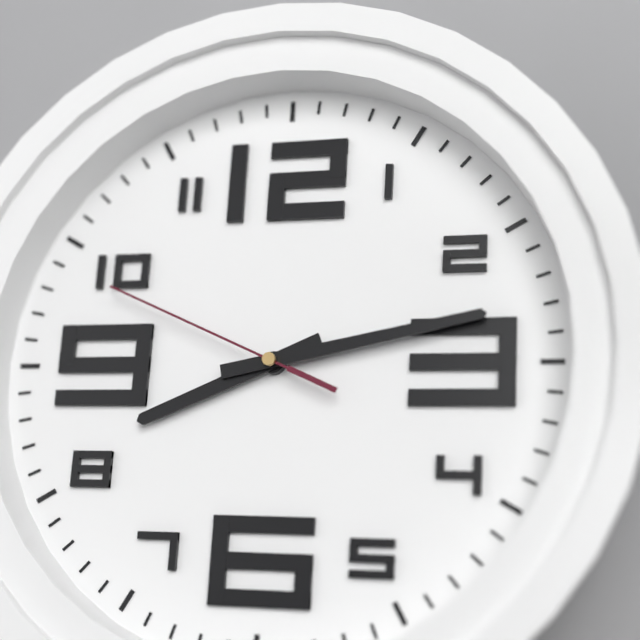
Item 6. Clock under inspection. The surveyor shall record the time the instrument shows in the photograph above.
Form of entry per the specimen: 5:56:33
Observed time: 8:13:49
